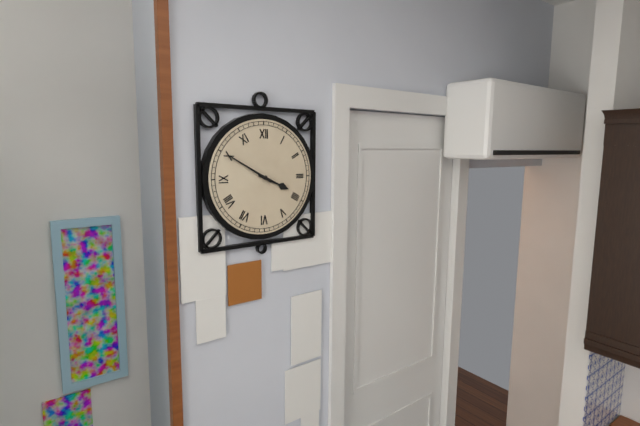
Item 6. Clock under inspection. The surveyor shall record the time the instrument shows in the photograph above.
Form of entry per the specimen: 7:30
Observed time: 3:50
